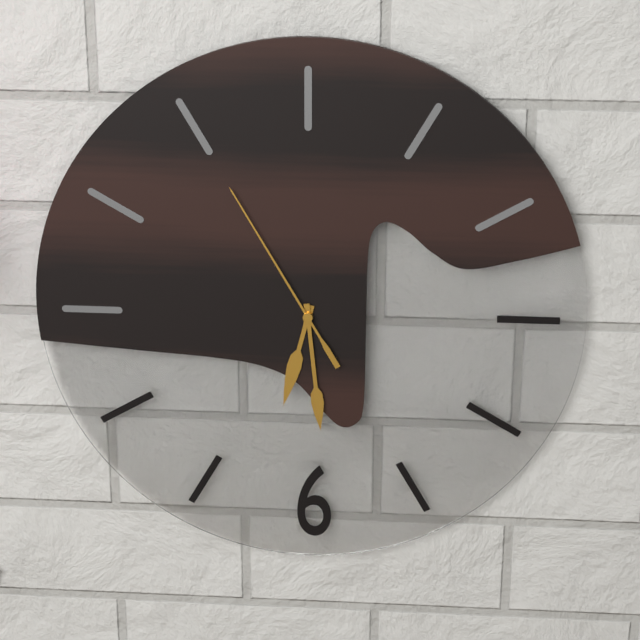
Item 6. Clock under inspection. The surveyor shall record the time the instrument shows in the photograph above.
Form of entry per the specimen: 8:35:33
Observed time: 6:29:55
